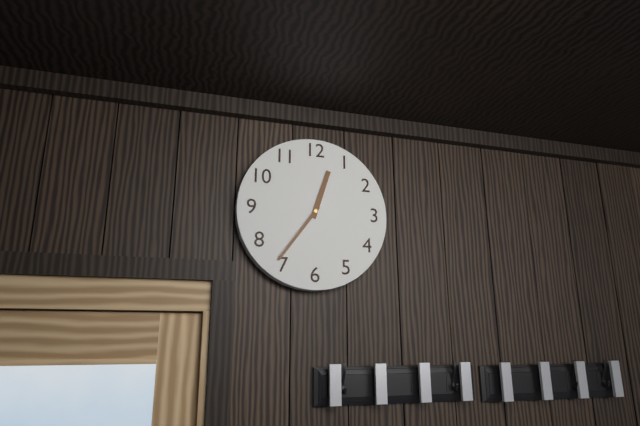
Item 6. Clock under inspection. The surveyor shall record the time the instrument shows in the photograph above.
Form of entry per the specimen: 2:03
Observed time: 12:36
